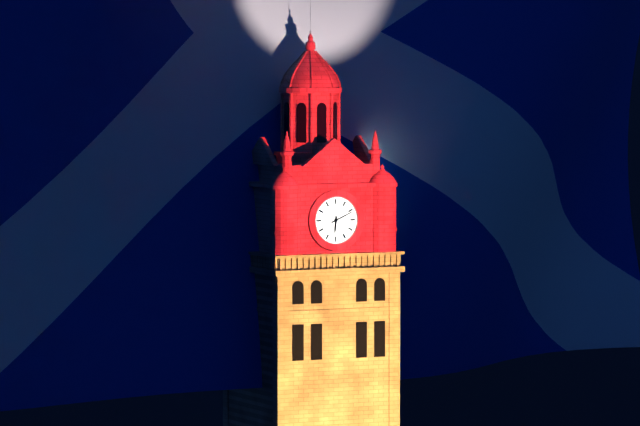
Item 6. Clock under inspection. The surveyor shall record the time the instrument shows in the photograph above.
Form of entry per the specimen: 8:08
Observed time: 6:11
